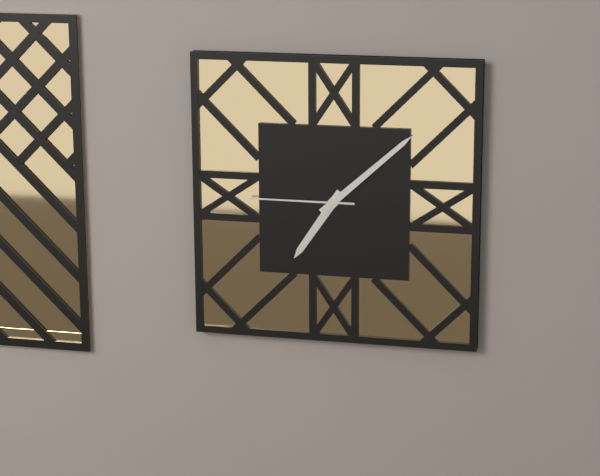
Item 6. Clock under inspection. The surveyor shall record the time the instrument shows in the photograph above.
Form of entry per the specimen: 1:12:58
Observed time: 7:08:45
